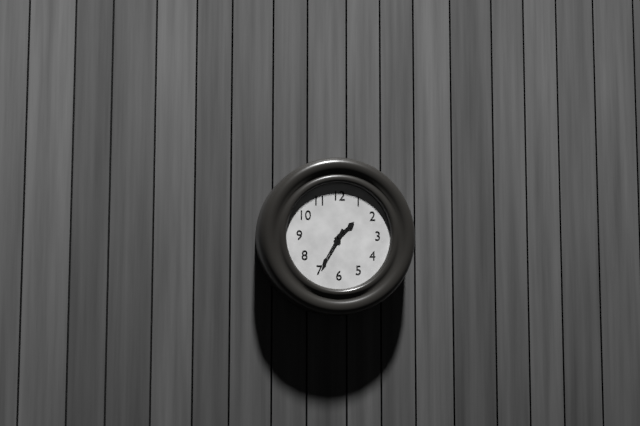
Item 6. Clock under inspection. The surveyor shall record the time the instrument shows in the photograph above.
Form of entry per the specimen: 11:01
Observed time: 1:35
